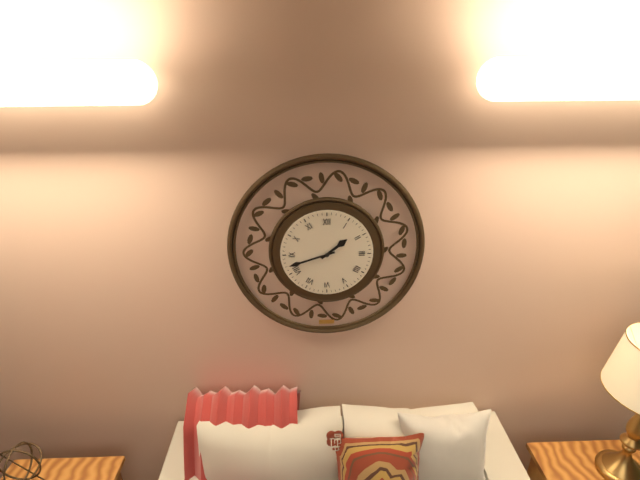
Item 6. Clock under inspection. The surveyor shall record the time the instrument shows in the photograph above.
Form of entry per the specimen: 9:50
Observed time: 1:42
